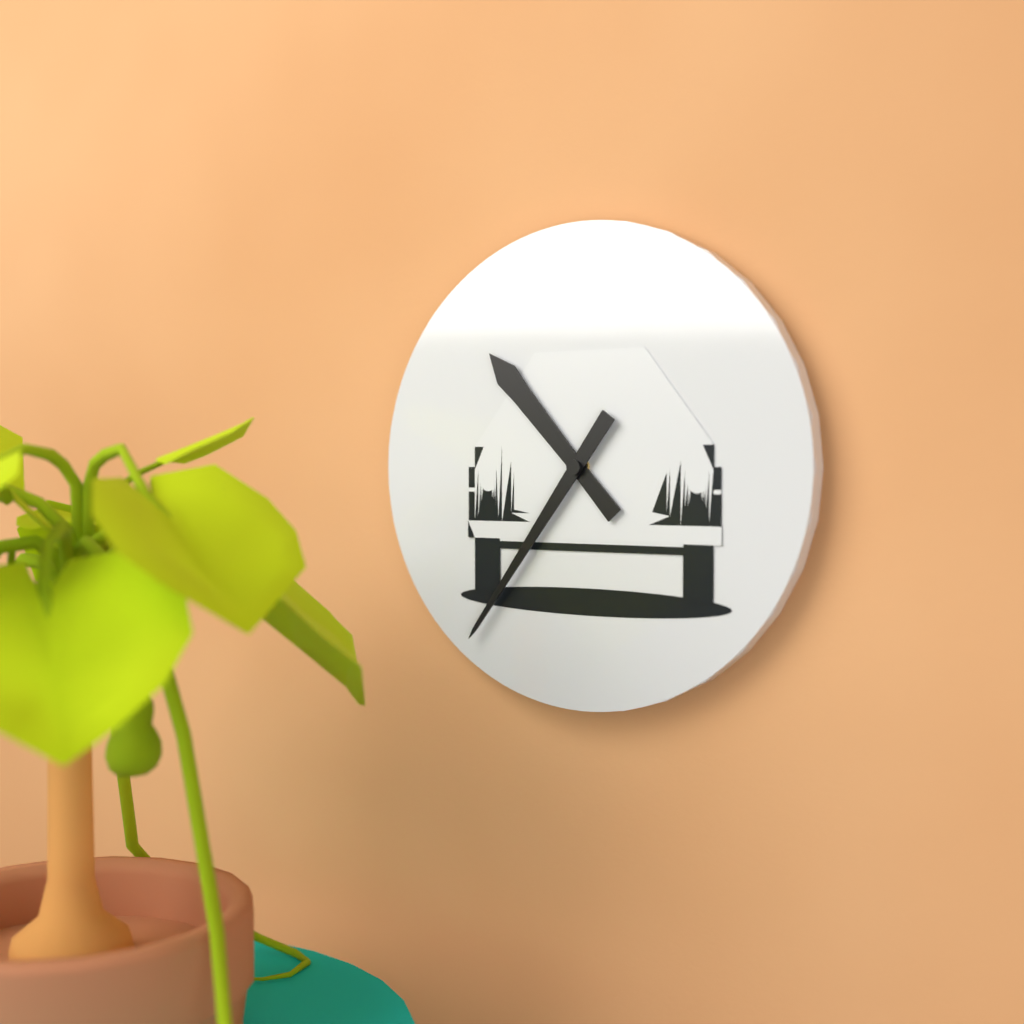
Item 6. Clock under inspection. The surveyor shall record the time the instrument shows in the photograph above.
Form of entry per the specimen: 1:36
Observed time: 10:36
